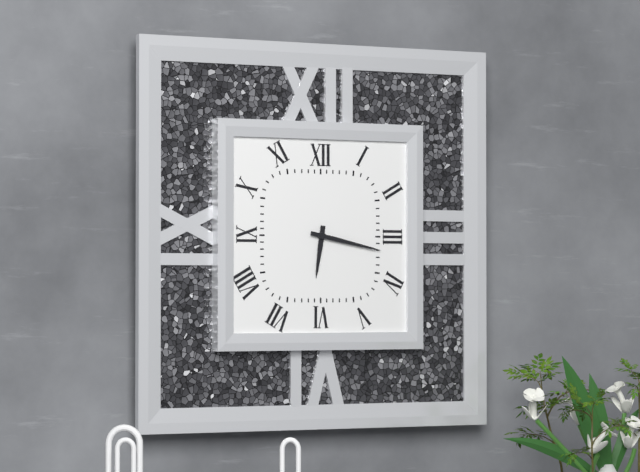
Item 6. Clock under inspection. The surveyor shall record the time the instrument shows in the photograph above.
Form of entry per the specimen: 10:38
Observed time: 6:17
